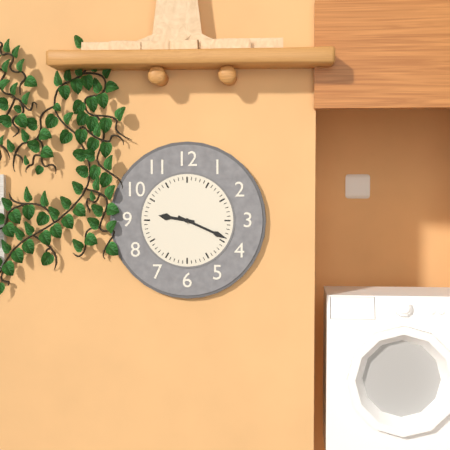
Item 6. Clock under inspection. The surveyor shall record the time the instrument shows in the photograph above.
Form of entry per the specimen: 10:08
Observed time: 9:19
